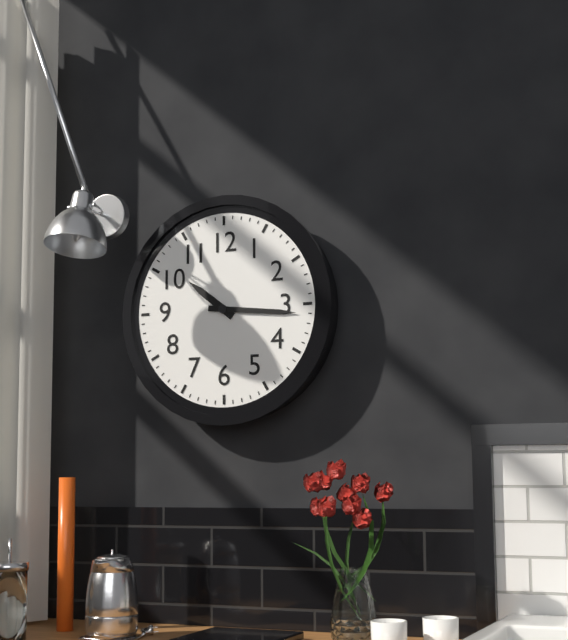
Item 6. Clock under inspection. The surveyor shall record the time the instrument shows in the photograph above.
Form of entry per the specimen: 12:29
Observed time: 10:16
